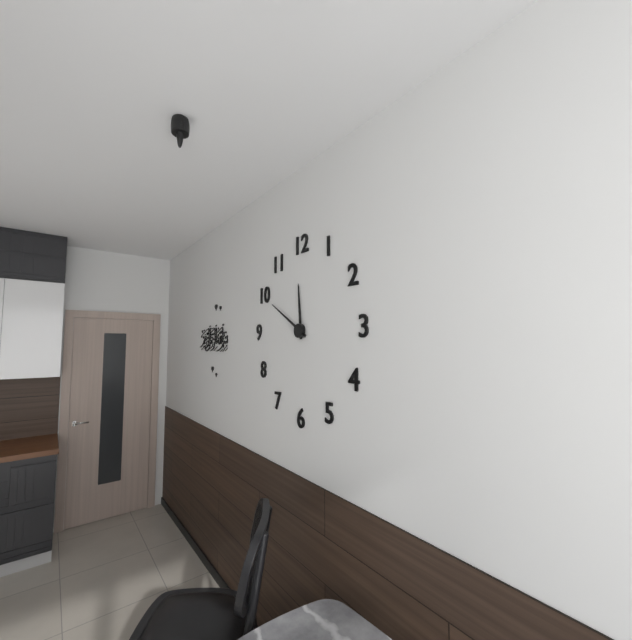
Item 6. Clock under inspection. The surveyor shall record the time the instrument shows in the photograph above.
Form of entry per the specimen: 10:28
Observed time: 11:50
